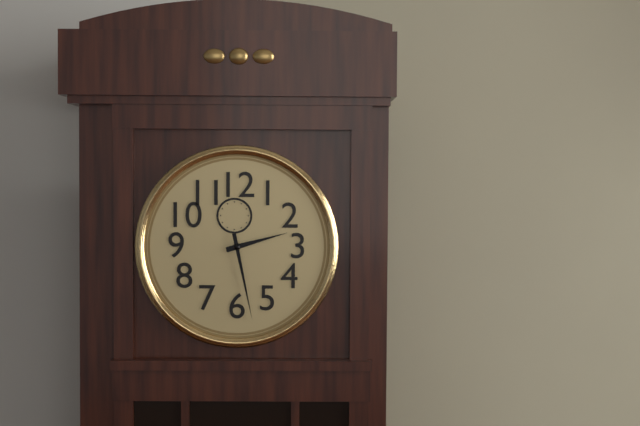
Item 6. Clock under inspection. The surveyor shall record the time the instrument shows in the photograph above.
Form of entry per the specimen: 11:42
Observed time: 2:28
